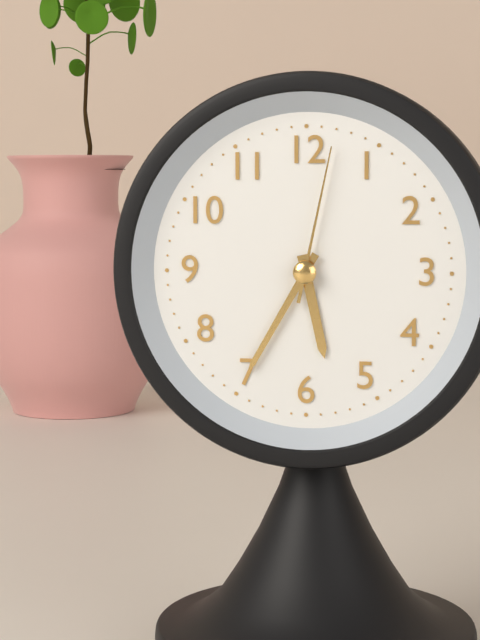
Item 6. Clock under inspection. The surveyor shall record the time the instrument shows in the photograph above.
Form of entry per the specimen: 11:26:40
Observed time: 5:35:02
